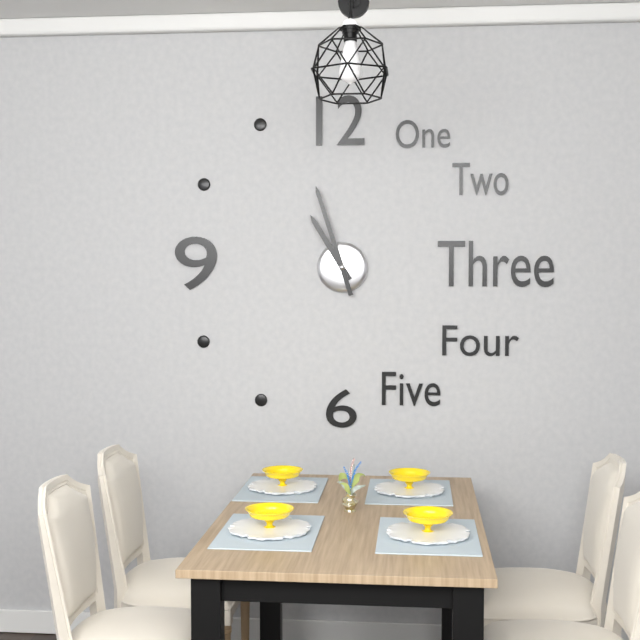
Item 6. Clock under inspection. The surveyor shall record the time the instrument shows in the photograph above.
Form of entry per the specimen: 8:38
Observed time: 10:57
